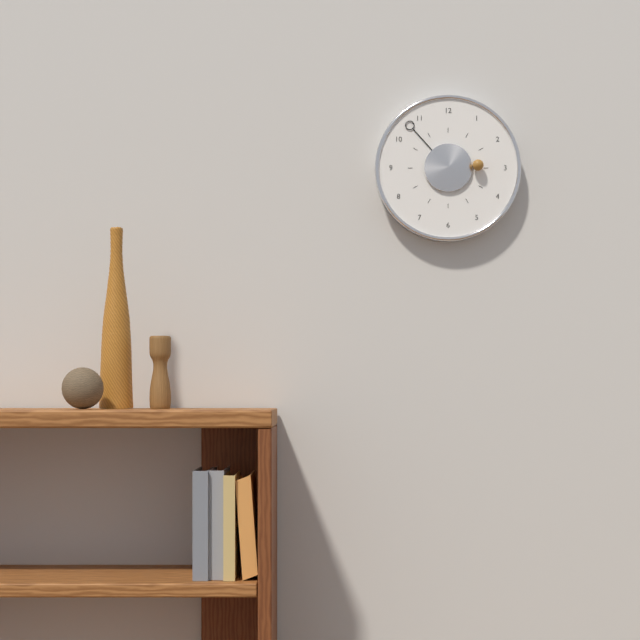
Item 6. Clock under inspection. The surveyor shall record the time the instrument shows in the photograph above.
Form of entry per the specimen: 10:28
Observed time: 2:53
